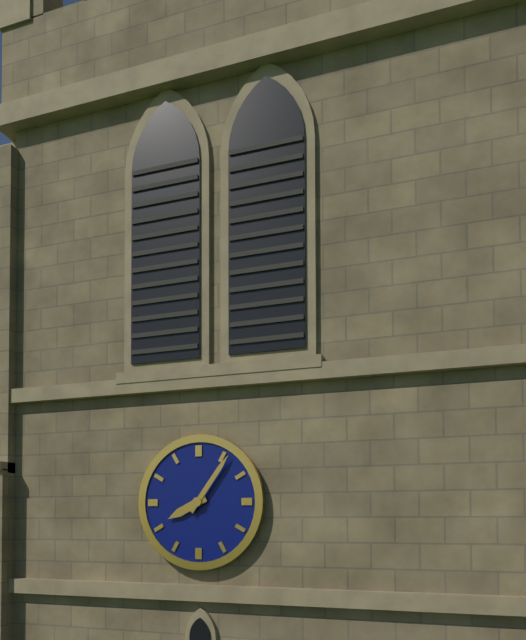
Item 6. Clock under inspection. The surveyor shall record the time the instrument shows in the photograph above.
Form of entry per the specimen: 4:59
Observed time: 8:06
